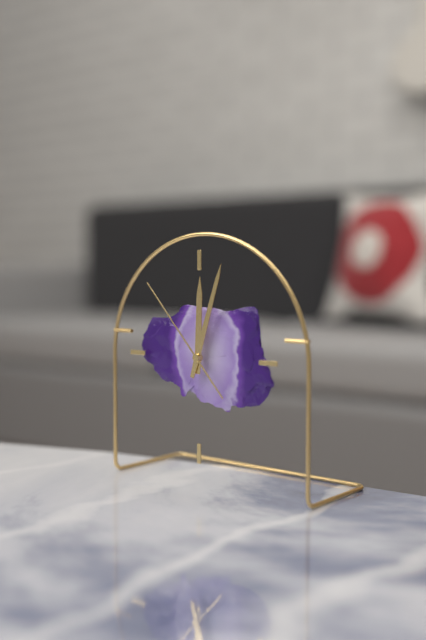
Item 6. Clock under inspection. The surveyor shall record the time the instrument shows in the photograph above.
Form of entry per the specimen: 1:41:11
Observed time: 12:03:53
